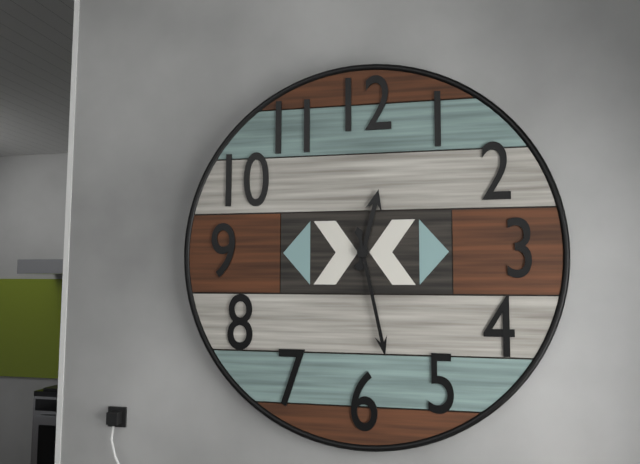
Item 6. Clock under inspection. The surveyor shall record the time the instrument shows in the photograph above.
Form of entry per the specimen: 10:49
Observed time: 12:28
